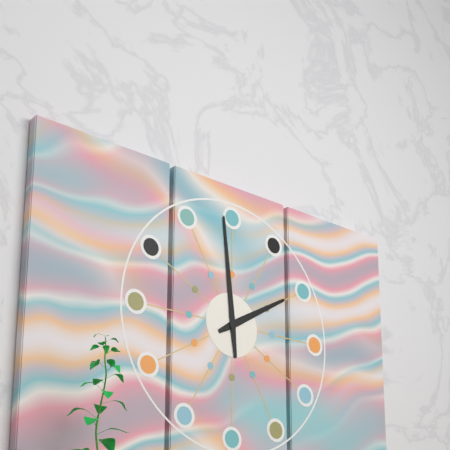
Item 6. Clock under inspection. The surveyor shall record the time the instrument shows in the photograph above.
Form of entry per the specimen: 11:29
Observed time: 1:59
